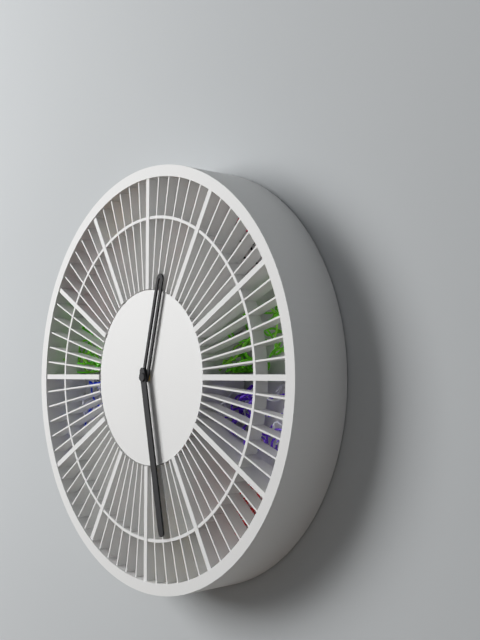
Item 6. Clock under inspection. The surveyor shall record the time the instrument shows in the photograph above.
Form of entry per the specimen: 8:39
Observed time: 12:28
